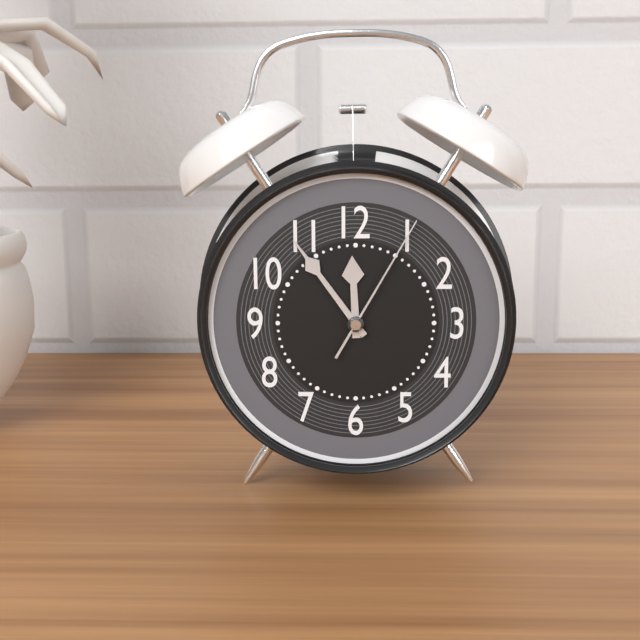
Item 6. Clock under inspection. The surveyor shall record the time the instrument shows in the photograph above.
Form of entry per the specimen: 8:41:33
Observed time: 11:54:05
